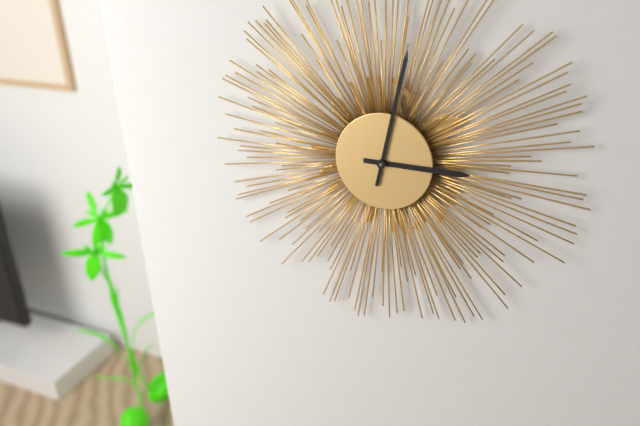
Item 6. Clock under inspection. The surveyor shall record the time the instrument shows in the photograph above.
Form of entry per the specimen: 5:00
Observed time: 3:02
